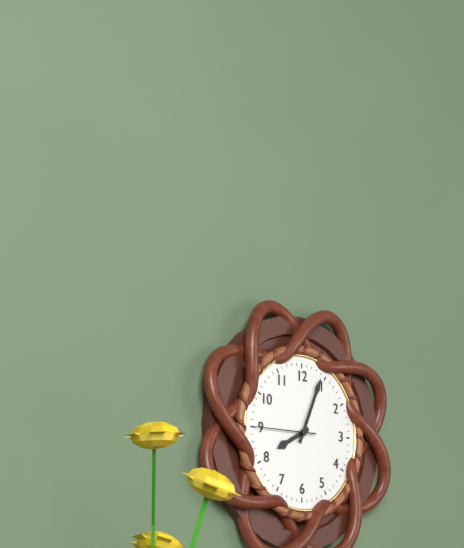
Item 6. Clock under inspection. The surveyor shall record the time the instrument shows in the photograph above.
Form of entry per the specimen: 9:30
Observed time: 8:04
